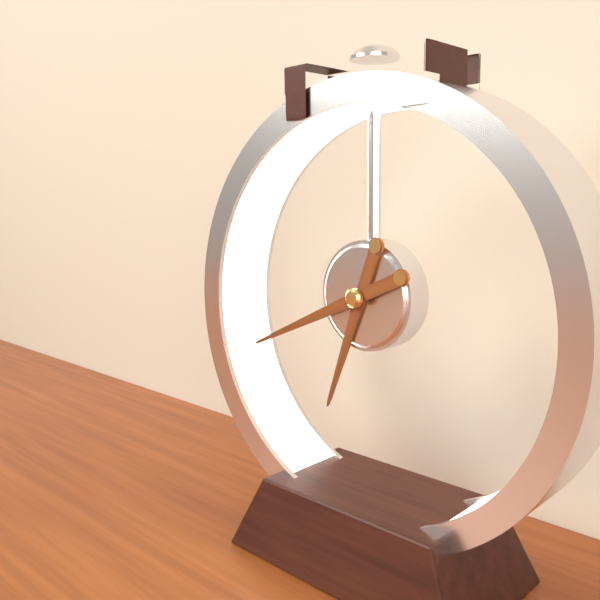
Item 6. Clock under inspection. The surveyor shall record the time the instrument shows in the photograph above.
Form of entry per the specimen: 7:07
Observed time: 6:41
